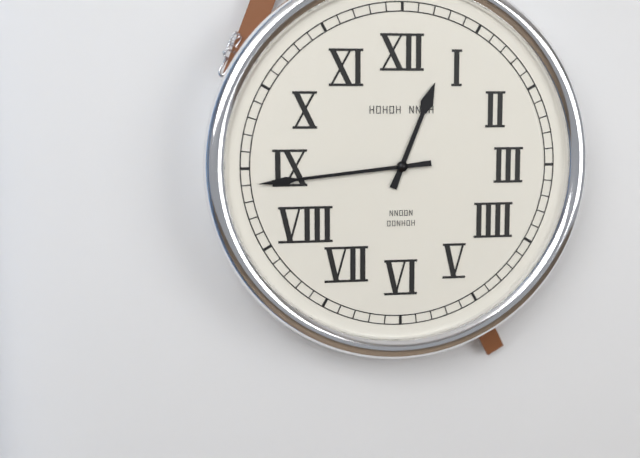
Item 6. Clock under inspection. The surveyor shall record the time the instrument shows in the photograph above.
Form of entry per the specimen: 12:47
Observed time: 12:44
